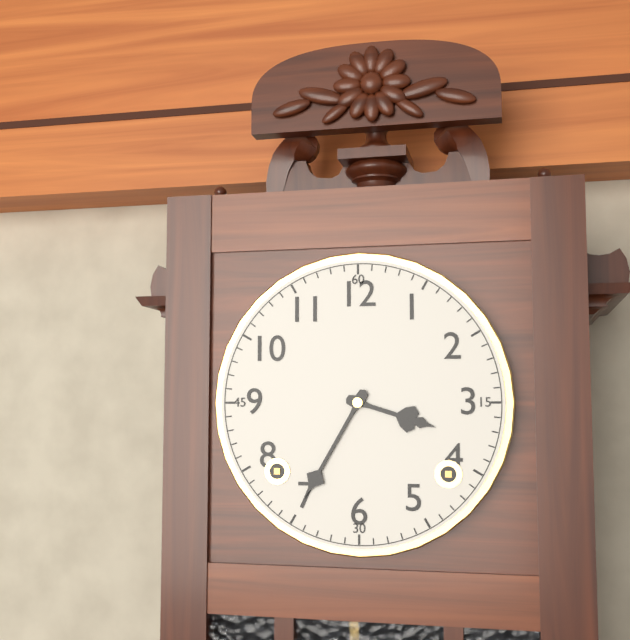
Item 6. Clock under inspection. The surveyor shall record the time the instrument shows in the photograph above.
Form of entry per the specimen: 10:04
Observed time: 3:35
